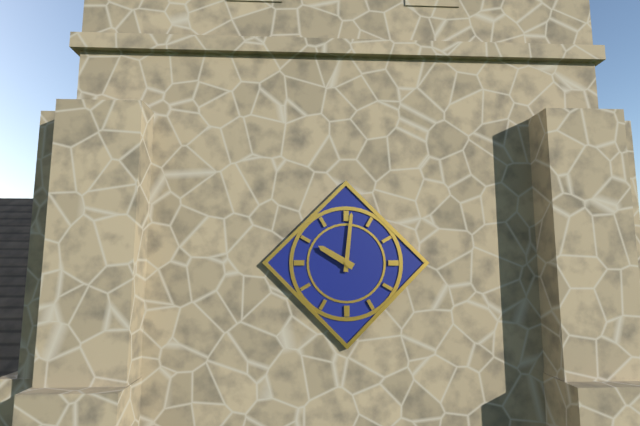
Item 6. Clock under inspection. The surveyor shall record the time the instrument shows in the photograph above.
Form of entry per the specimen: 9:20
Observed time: 10:01
